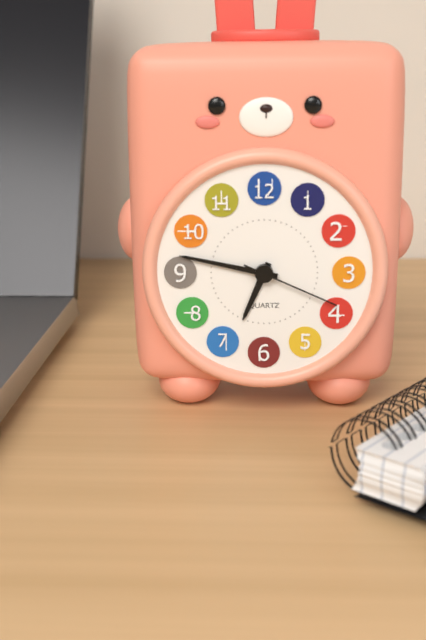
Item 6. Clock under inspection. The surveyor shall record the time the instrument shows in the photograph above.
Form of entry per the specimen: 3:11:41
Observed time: 6:47:19
